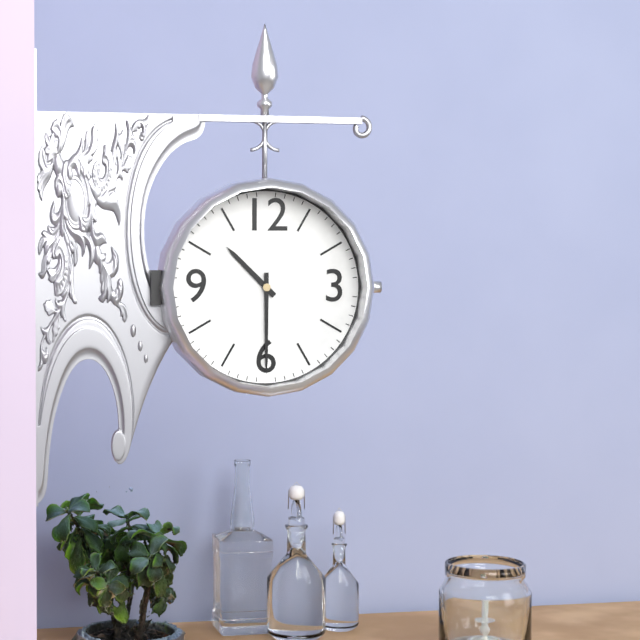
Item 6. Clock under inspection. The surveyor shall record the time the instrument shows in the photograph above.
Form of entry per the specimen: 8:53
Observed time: 10:30
